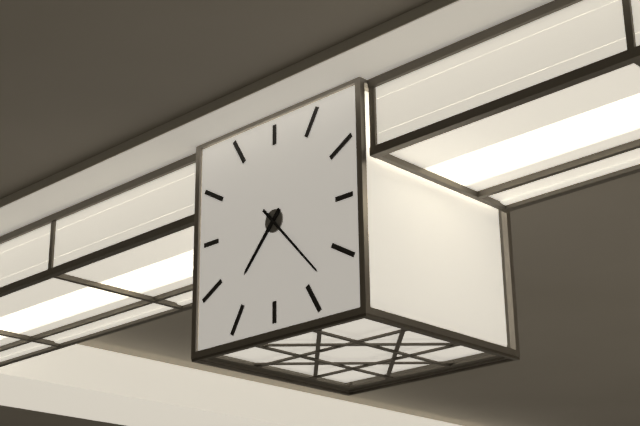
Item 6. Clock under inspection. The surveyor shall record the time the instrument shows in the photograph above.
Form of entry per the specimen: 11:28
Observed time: 7:23
